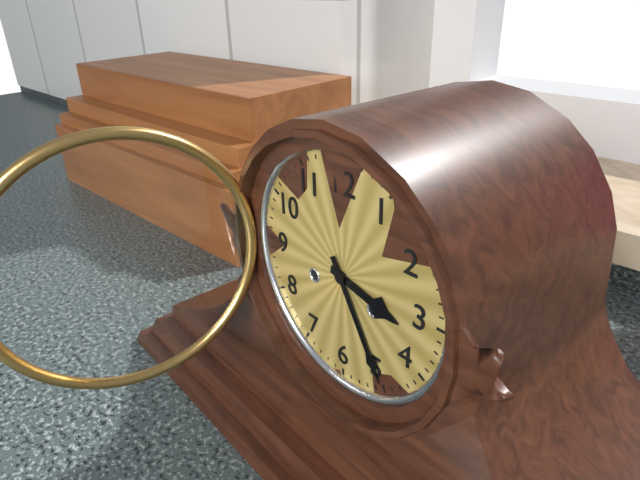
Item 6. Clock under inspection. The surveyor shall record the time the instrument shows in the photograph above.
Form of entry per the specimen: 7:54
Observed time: 3:25
